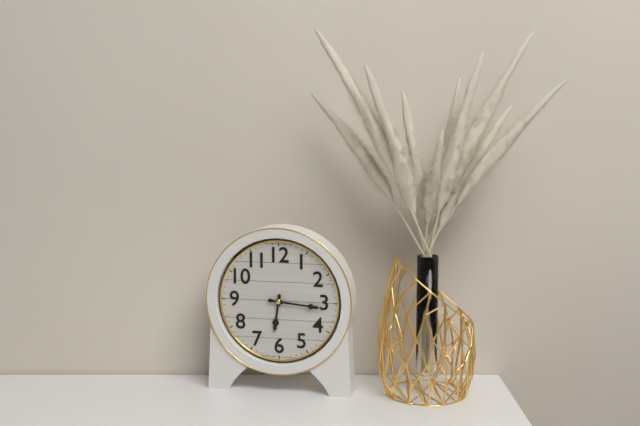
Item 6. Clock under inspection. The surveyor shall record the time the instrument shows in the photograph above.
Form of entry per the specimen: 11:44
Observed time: 6:16
